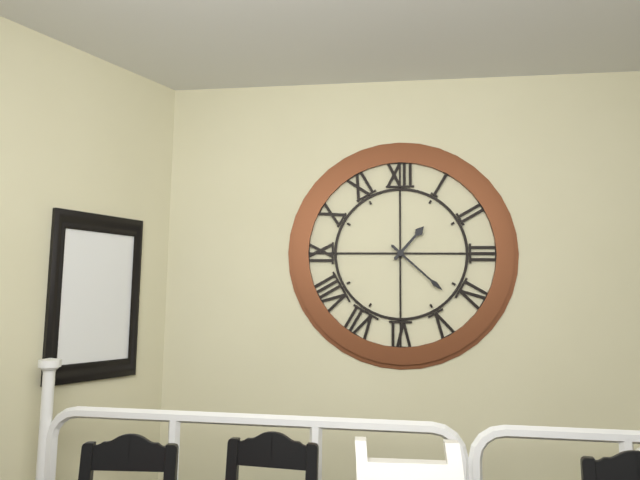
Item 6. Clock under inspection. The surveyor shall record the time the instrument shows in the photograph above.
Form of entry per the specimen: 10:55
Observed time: 1:22
